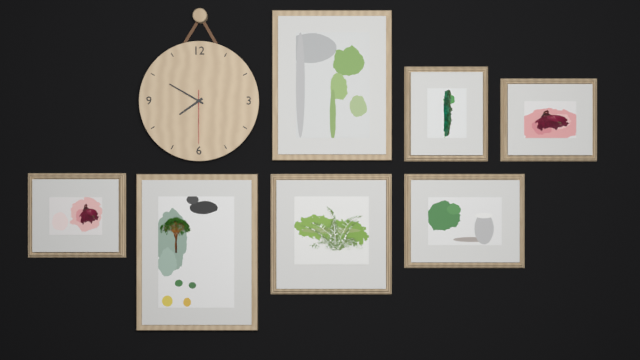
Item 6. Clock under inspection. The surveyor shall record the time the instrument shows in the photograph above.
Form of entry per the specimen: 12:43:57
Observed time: 7:50:30
